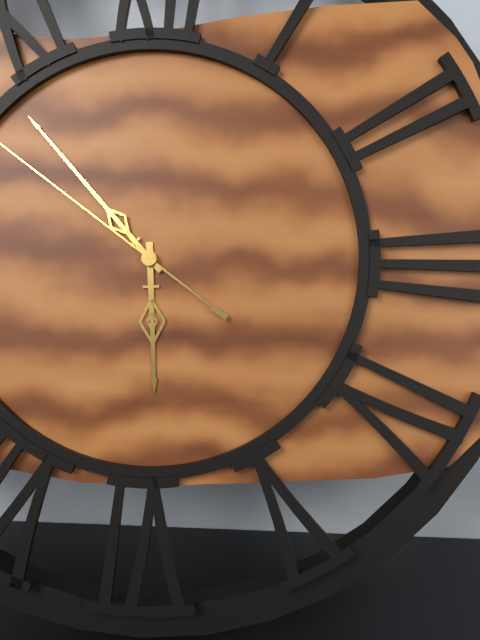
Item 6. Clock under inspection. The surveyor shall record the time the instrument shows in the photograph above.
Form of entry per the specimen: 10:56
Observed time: 5:53
